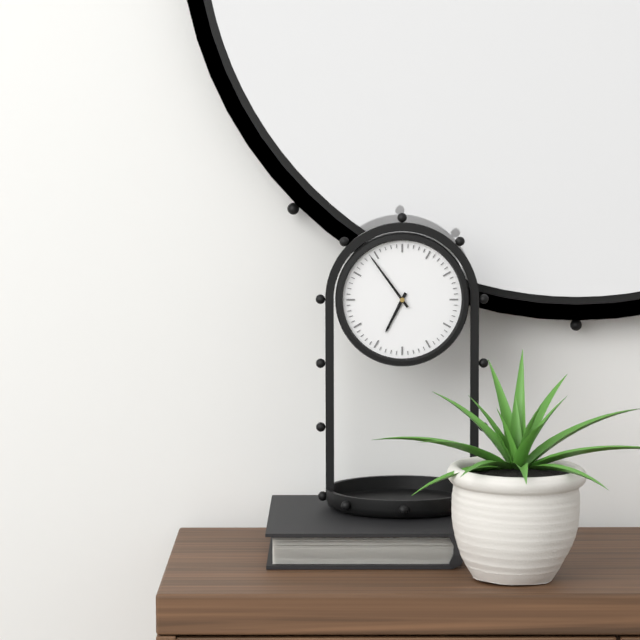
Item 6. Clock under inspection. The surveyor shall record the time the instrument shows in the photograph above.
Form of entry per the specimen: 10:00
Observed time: 6:54
